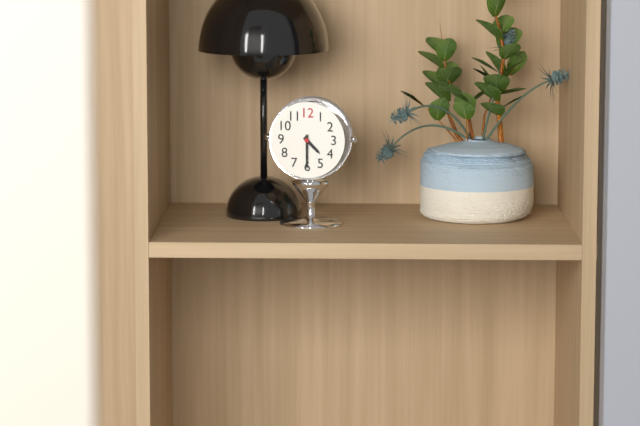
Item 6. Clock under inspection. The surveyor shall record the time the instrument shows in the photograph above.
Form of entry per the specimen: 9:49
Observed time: 4:30
